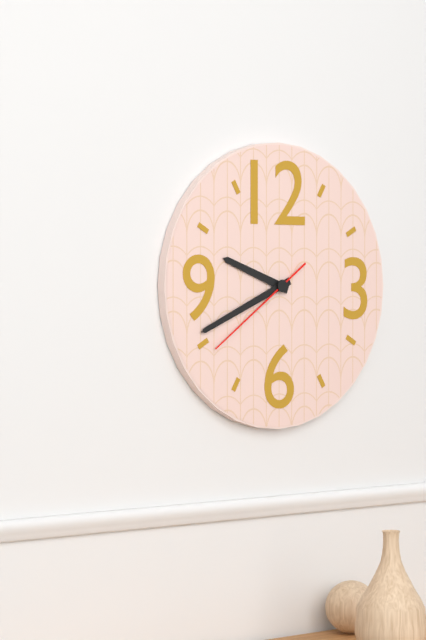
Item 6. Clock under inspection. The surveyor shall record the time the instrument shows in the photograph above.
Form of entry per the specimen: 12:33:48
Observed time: 9:41:39
